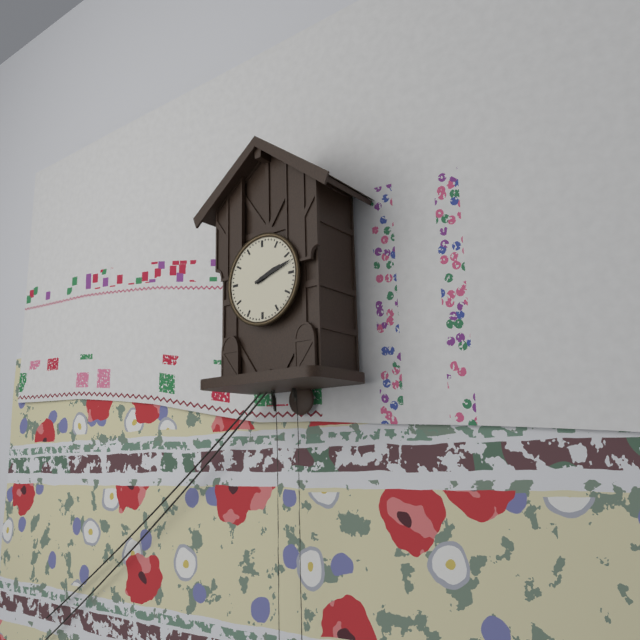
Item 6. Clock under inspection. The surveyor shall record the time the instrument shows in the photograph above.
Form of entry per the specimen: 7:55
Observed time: 2:12
